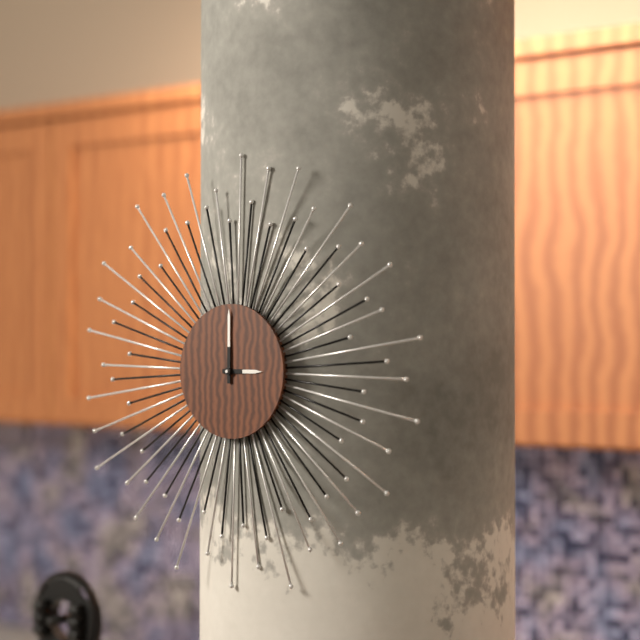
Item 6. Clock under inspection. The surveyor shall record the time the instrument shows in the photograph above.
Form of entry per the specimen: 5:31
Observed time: 3:00
